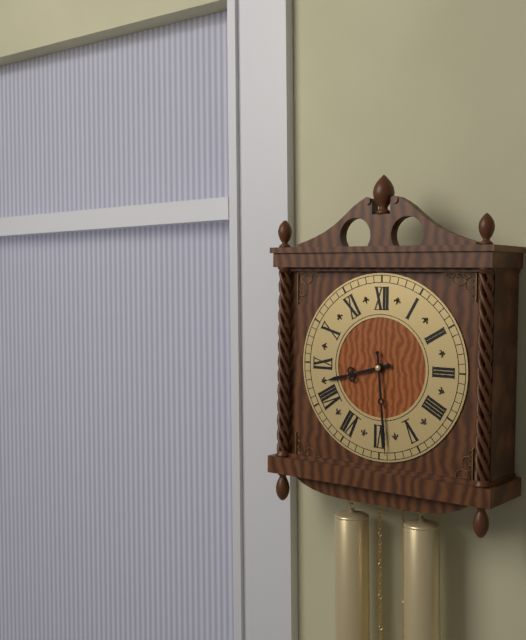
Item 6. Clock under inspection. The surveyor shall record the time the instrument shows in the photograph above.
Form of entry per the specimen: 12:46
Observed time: 8:29
